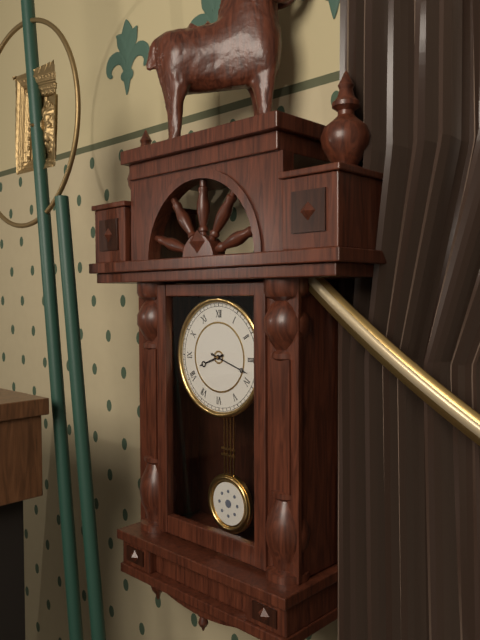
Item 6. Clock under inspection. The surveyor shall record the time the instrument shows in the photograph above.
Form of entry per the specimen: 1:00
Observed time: 8:18
